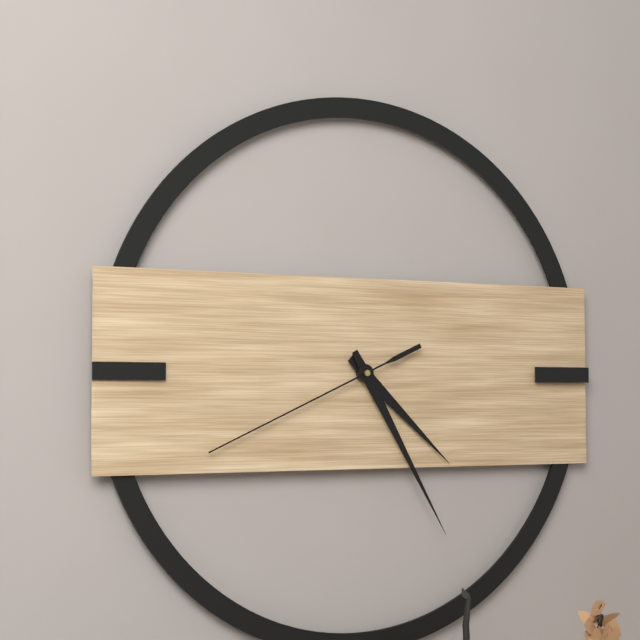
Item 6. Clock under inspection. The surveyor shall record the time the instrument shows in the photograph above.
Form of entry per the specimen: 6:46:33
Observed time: 4:25:41
